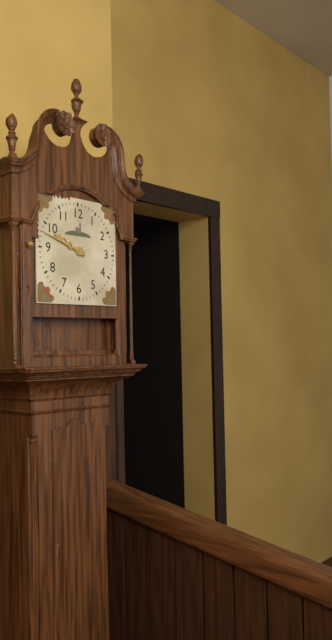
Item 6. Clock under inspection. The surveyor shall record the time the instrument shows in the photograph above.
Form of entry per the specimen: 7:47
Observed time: 9:48
